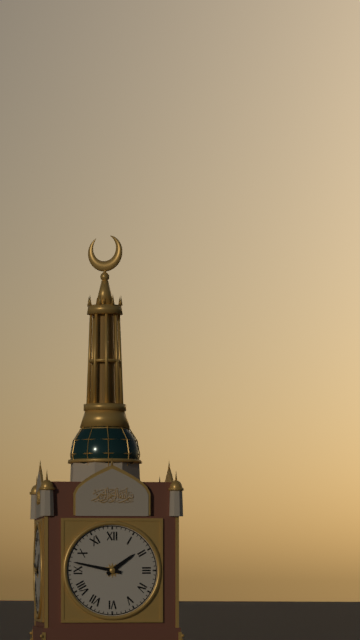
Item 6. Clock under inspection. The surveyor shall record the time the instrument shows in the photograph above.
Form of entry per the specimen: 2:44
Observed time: 1:47
